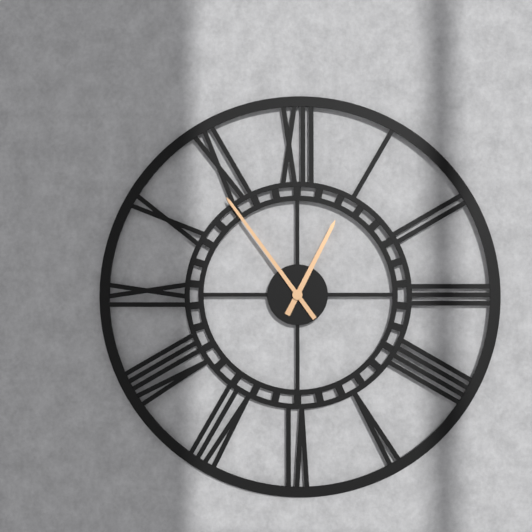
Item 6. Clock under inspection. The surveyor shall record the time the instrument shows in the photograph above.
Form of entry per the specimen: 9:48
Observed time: 12:54
